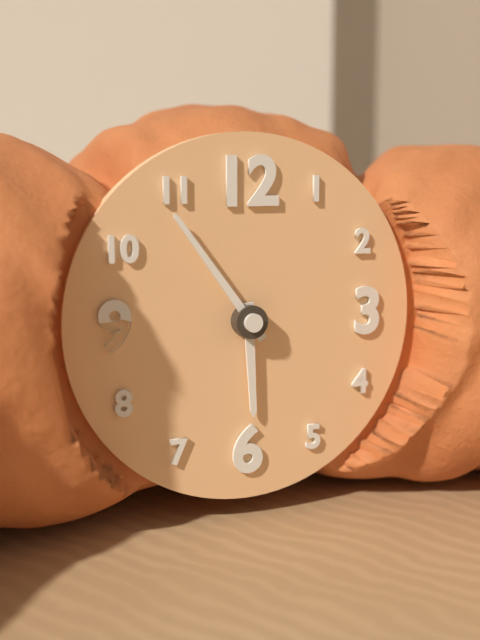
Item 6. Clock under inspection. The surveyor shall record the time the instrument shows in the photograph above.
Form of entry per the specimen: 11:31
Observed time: 5:54
